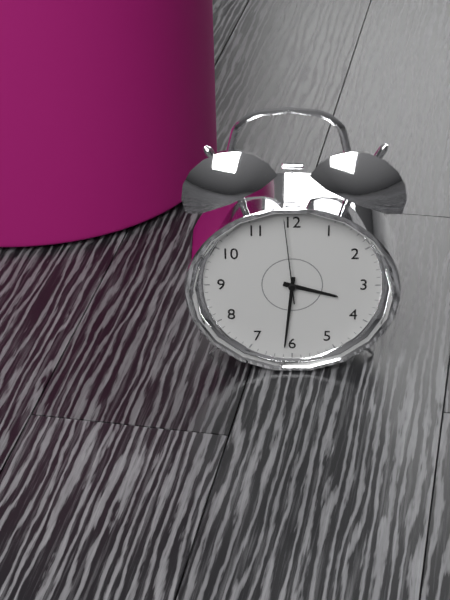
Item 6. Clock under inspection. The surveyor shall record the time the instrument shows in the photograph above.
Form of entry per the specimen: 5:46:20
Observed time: 3:31:59
